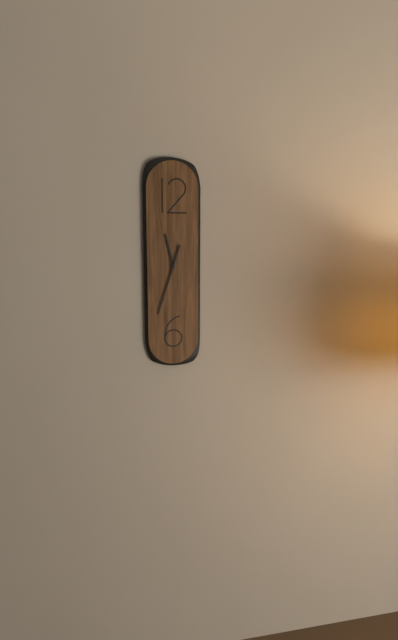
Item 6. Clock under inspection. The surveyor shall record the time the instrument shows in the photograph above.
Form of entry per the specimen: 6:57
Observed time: 11:33
